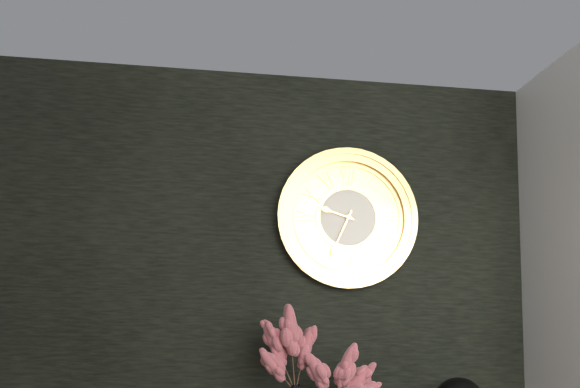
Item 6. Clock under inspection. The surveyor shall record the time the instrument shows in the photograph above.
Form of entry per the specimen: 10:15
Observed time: 9:34
